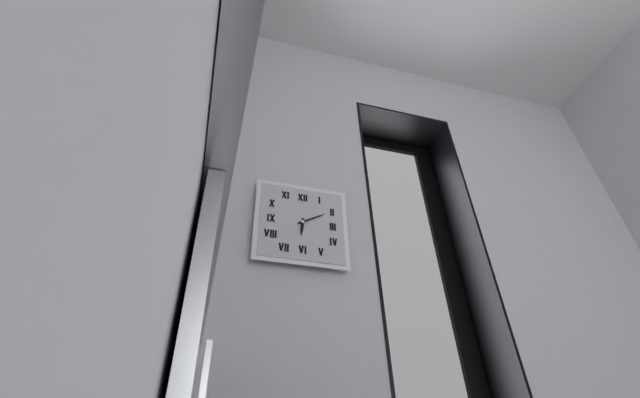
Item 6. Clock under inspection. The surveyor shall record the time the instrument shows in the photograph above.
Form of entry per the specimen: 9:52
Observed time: 6:10
